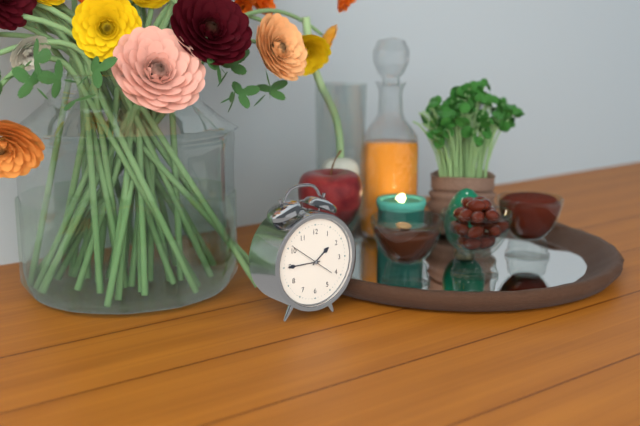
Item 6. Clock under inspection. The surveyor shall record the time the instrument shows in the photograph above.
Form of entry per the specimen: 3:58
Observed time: 1:45
